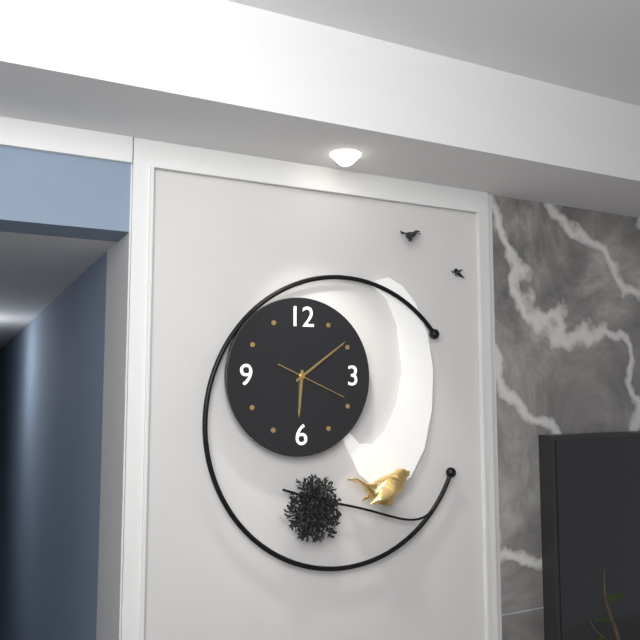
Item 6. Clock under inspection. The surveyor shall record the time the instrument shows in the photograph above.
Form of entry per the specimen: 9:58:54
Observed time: 6:09:19
